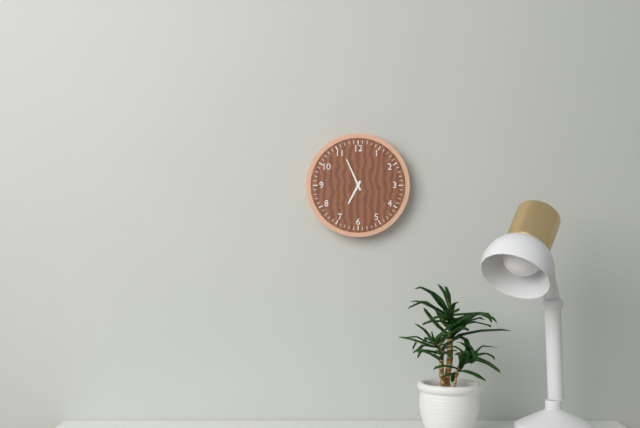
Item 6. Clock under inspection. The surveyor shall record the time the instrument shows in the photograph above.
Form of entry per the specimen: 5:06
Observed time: 6:56
